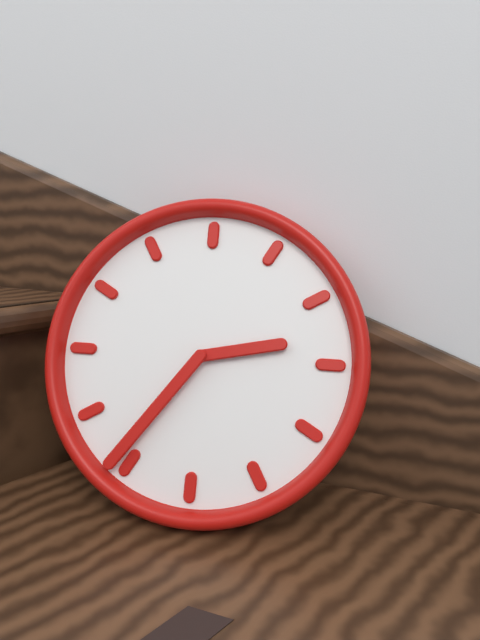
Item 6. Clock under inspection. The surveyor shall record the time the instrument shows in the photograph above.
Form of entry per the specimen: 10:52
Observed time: 2:36
